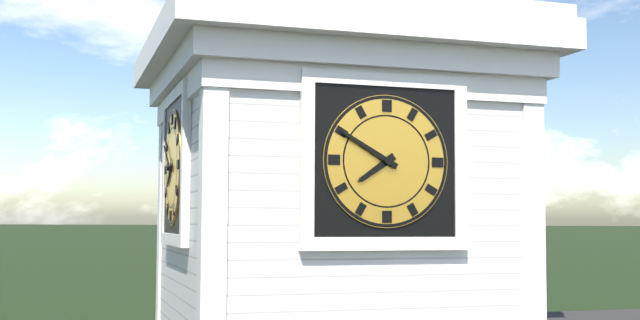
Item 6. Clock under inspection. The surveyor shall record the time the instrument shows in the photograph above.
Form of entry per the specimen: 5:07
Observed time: 7:50
